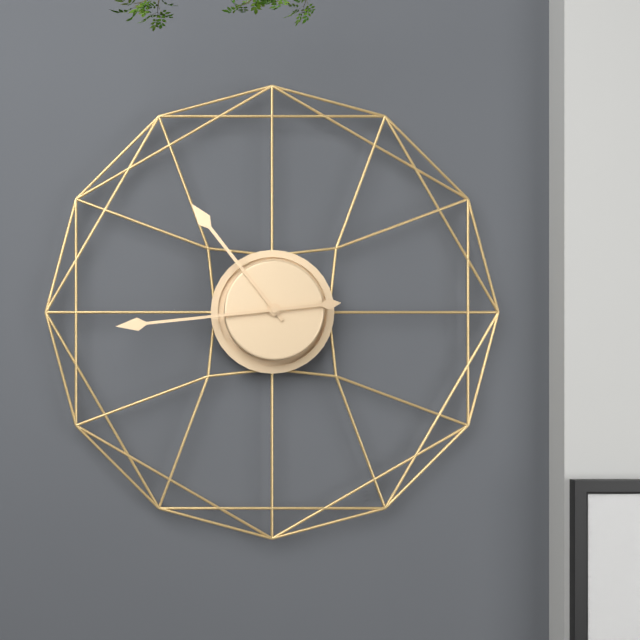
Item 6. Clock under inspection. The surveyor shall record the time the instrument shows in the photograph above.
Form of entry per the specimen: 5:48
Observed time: 10:44
